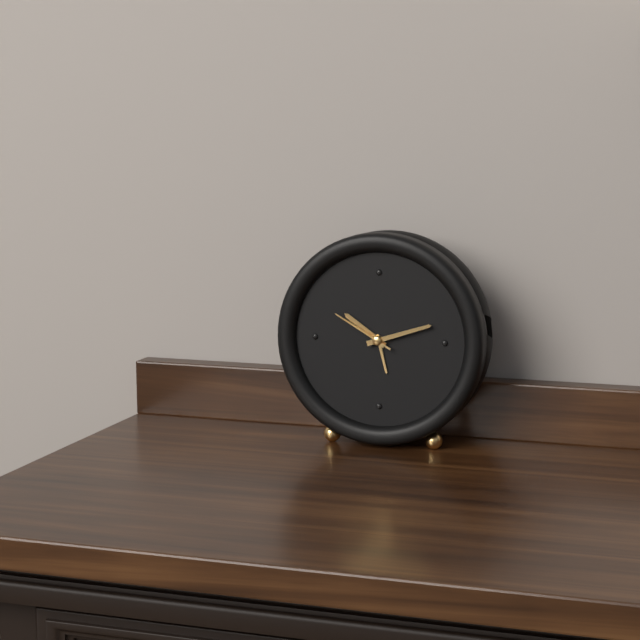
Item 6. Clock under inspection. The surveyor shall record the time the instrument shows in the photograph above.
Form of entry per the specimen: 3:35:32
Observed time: 10:12:50
